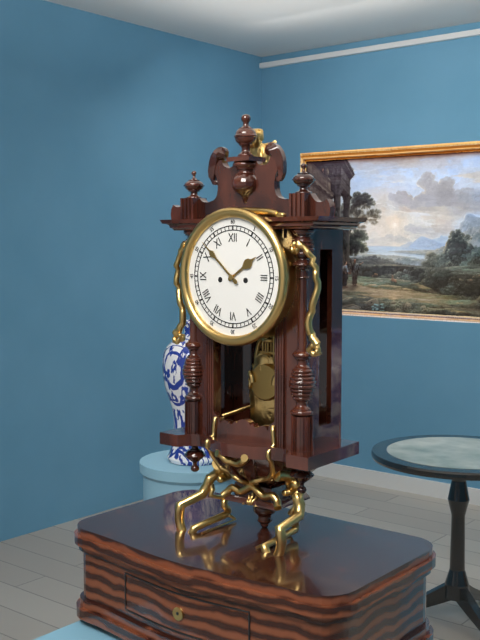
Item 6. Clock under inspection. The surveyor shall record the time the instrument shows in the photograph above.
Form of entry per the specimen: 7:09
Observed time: 1:52
